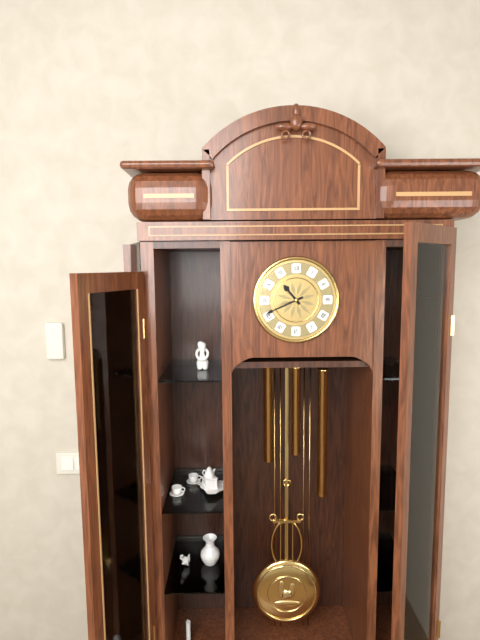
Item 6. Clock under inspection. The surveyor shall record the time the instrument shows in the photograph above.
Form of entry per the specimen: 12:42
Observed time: 10:41
